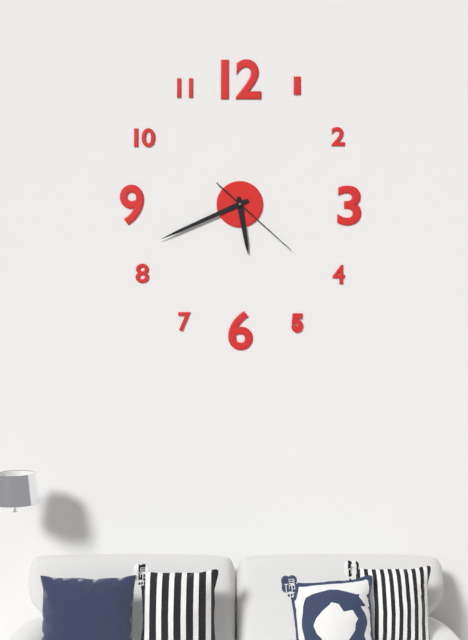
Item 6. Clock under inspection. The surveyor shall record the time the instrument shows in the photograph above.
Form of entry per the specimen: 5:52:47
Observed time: 5:41:22
